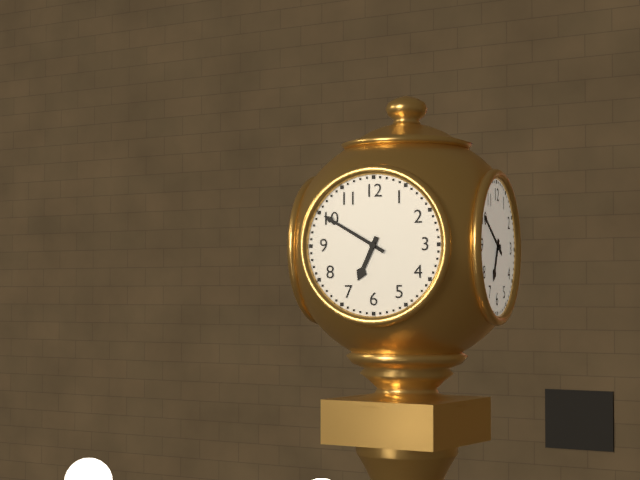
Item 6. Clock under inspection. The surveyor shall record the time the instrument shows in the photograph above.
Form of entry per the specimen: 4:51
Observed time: 6:50
